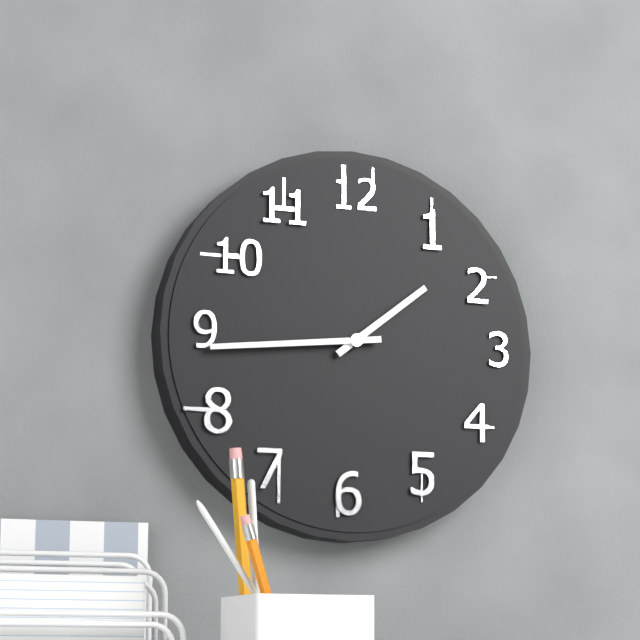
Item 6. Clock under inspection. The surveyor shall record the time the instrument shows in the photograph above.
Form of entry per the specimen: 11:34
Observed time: 1:44
